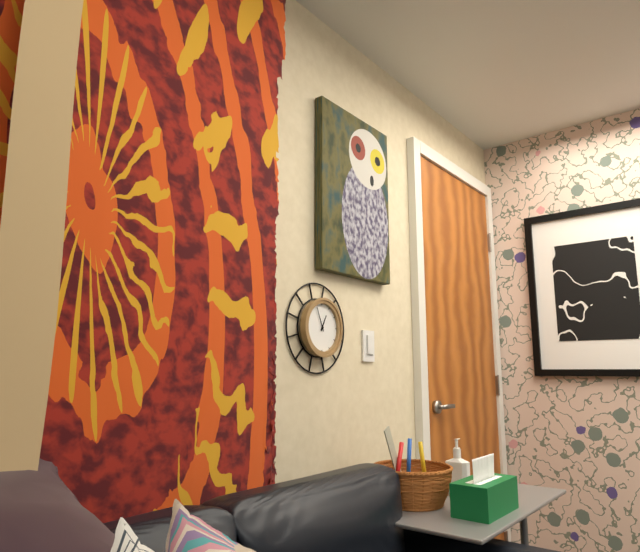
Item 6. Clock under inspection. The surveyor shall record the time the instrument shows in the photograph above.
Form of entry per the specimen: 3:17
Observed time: 12:56
